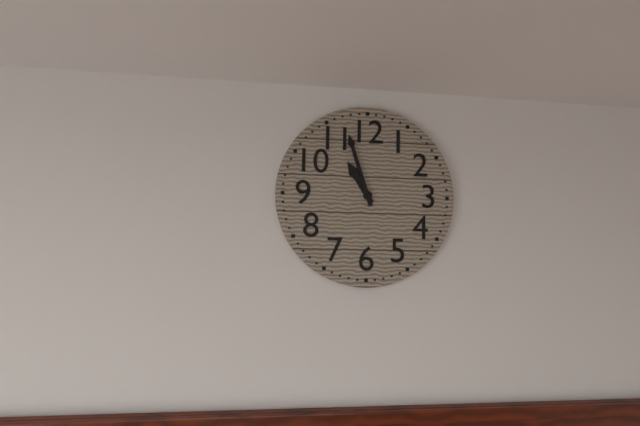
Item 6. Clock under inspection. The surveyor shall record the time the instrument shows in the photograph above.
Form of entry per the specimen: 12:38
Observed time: 10:57
